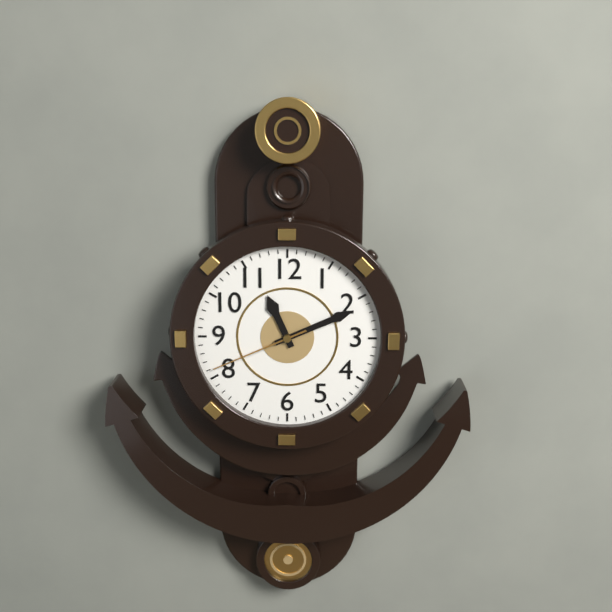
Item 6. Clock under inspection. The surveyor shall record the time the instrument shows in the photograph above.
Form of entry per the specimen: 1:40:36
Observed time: 11:11:41
